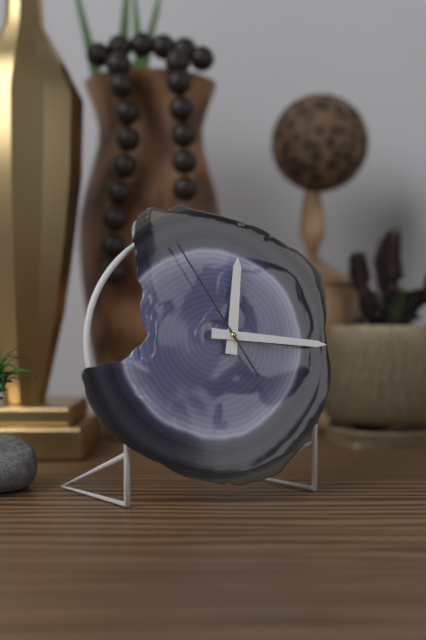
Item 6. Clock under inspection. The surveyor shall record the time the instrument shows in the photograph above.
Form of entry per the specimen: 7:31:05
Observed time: 12:16:55
